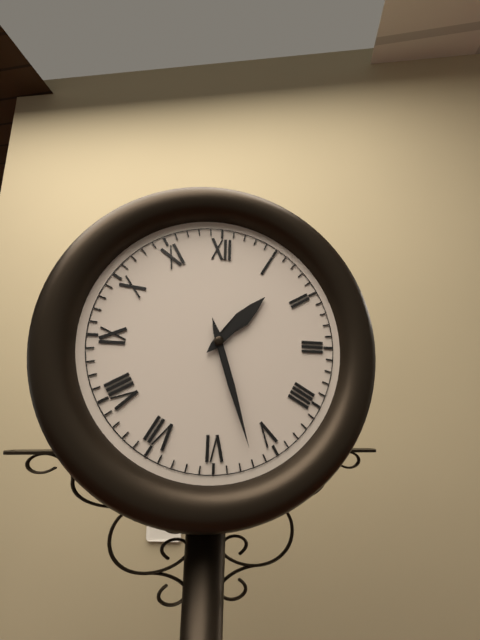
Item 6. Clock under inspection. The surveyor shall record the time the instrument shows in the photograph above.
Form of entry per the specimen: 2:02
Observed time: 1:27
